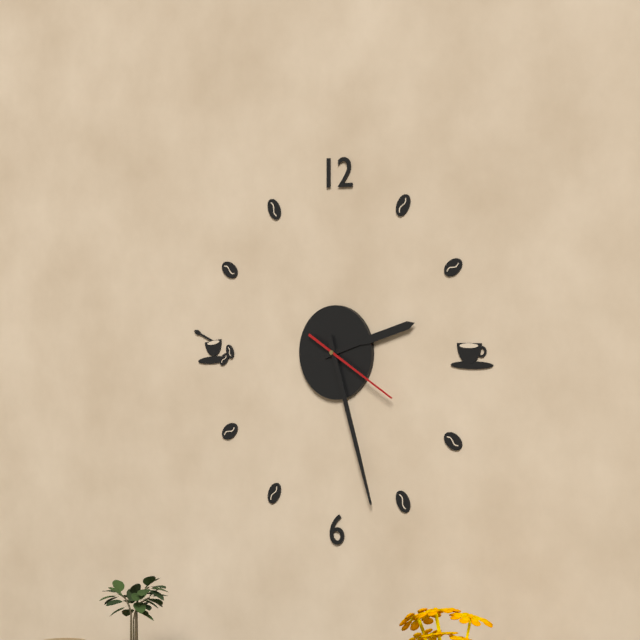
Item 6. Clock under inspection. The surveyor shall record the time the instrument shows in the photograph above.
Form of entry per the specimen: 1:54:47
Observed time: 2:27:20
